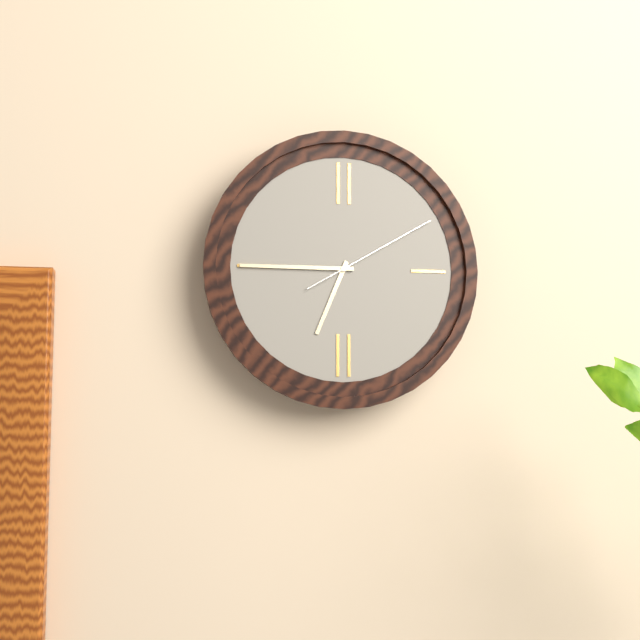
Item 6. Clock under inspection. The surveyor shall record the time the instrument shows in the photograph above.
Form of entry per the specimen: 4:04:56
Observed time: 6:45:10
